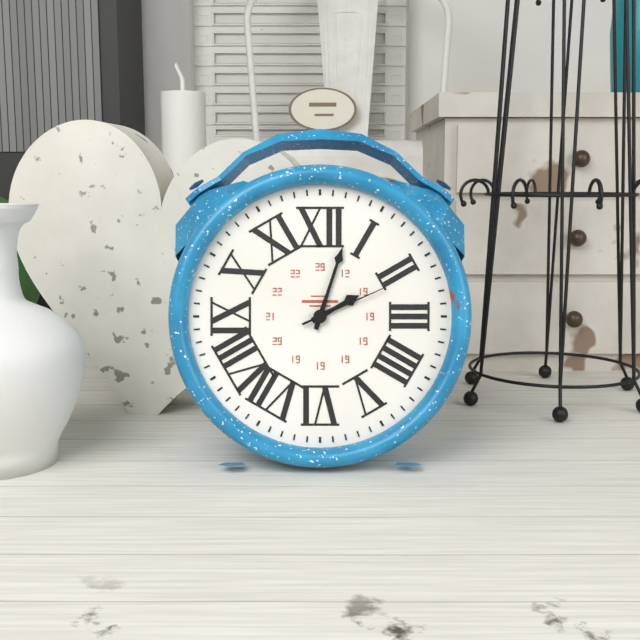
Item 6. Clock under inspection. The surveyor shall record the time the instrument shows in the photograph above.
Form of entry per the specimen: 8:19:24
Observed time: 2:03:11
